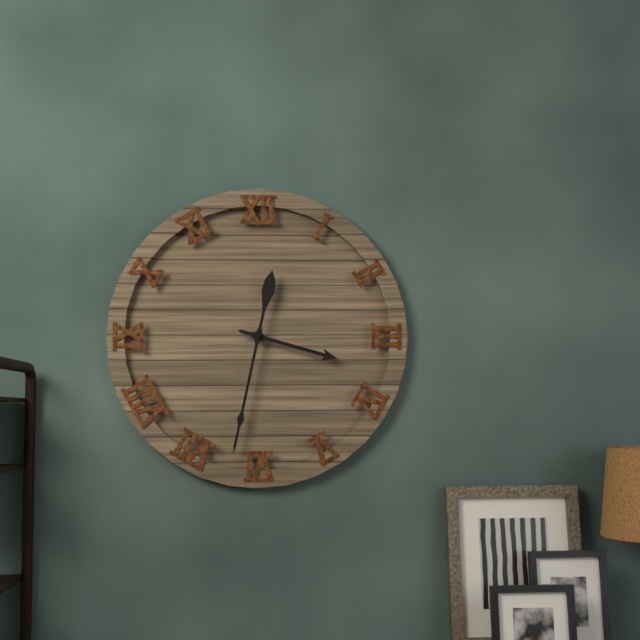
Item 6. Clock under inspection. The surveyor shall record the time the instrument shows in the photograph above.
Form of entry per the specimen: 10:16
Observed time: 3:32
